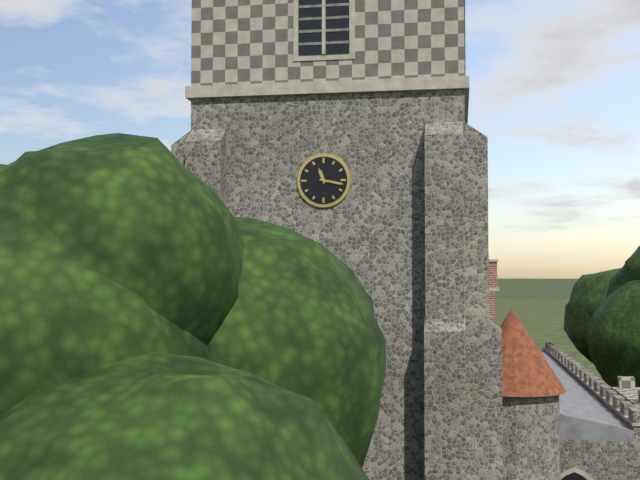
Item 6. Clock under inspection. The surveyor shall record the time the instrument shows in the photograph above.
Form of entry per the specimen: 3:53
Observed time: 11:17
